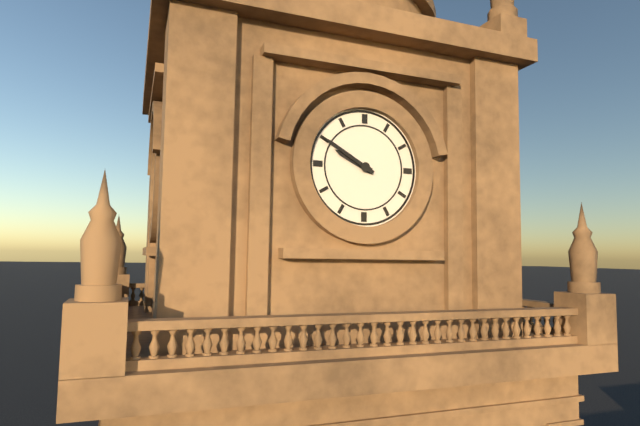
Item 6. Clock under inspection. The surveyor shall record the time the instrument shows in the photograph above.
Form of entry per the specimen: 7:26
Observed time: 9:50
